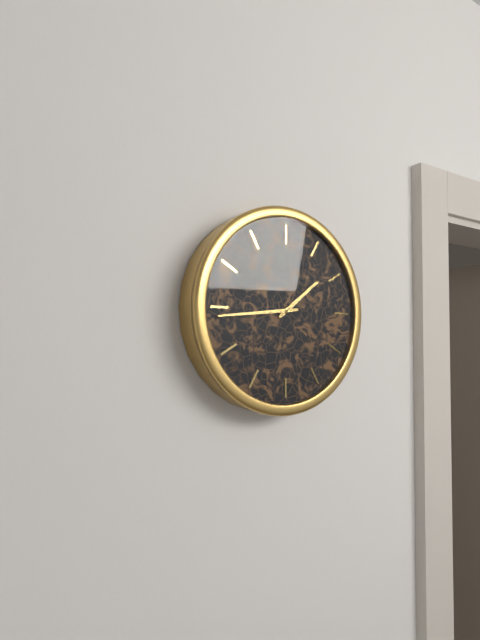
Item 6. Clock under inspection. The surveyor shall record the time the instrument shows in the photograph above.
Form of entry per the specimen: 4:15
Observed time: 1:44
